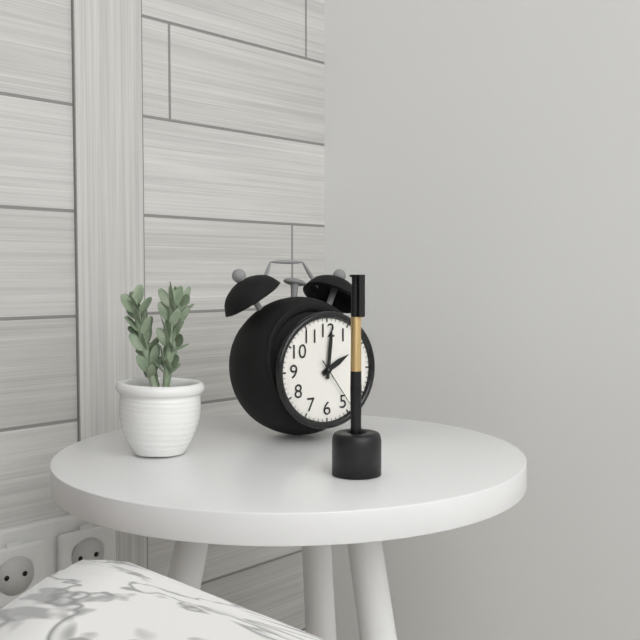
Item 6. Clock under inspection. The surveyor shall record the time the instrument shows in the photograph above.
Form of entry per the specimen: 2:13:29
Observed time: 2:01:24
